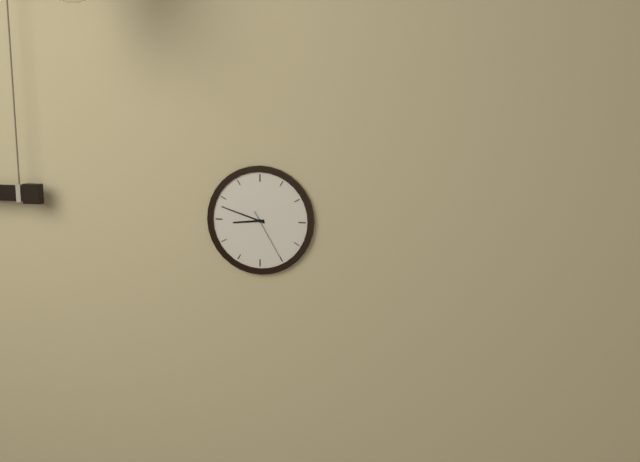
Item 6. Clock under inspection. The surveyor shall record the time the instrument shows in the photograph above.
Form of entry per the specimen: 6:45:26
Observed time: 8:48:25
